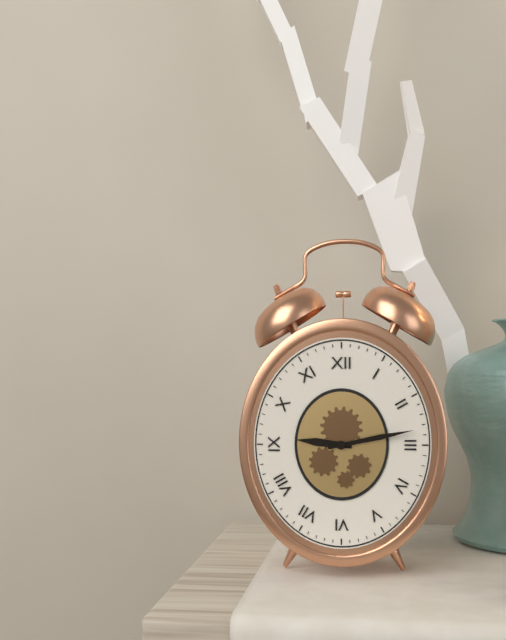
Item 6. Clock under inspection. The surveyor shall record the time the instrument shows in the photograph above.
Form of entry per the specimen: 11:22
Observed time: 9:13
